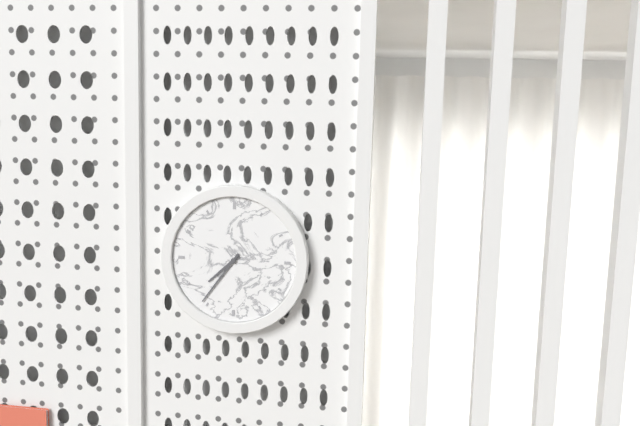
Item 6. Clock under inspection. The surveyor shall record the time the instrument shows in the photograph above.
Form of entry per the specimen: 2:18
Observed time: 7:36
